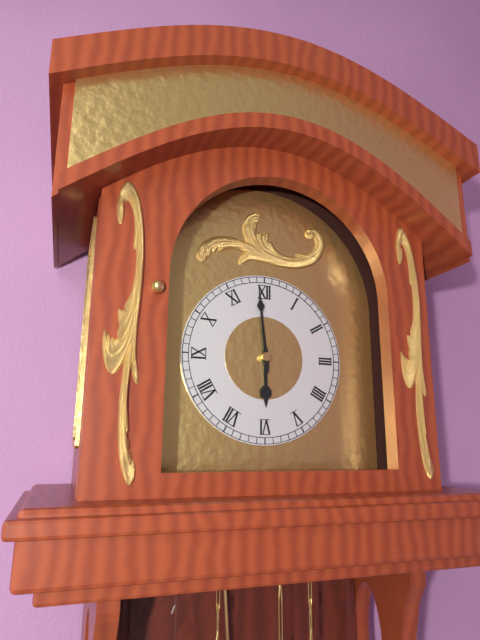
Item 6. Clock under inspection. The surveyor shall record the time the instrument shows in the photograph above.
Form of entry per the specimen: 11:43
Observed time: 5:59
